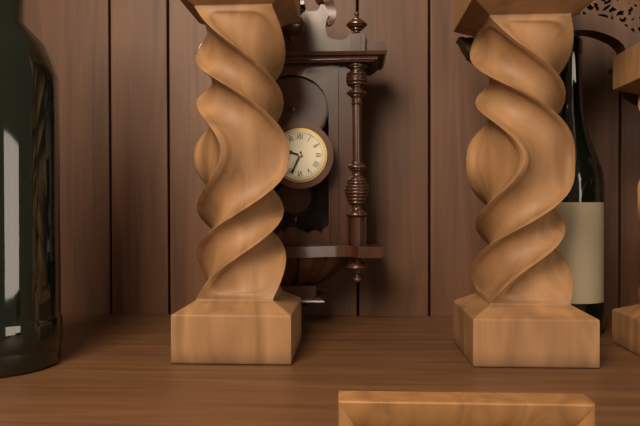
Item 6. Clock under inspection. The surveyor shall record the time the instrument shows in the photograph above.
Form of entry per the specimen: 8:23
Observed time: 9:34
